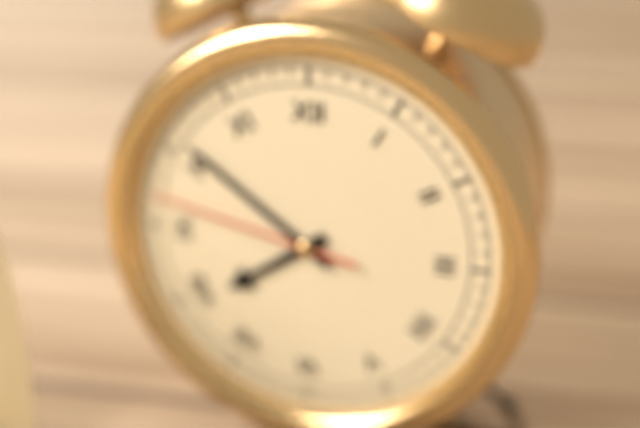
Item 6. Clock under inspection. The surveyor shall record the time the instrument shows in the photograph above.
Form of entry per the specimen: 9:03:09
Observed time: 7:51:47
